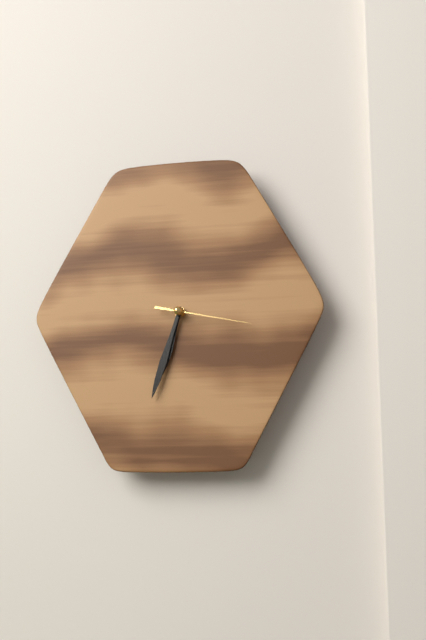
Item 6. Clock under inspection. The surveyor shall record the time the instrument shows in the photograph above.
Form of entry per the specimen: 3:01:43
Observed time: 6:33:17
